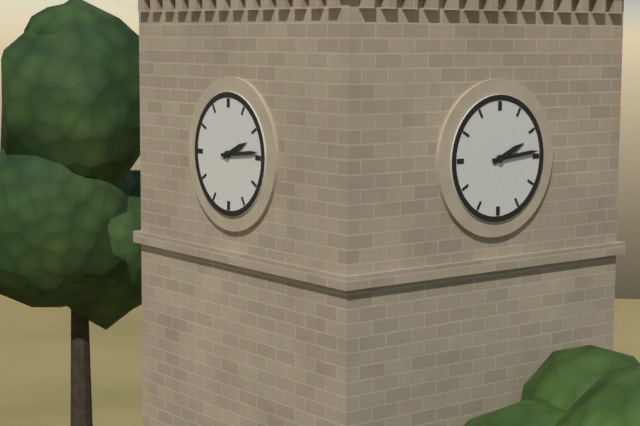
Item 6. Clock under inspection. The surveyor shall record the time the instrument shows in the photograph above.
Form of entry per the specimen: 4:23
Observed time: 2:14
